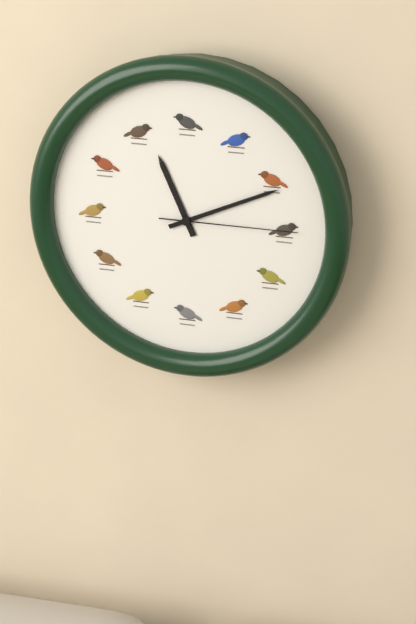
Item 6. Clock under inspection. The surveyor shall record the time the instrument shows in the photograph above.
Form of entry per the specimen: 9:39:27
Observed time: 11:11:15
